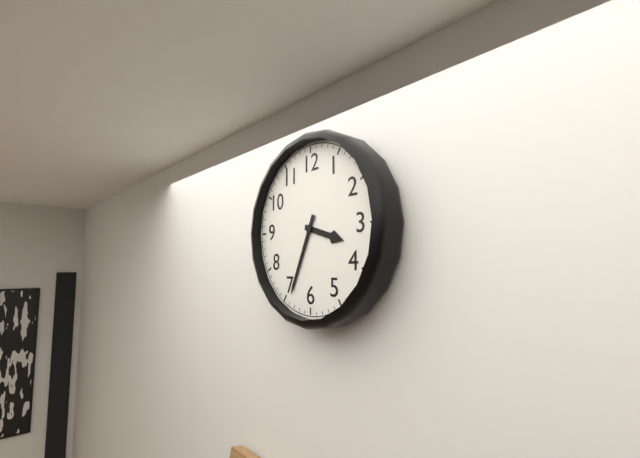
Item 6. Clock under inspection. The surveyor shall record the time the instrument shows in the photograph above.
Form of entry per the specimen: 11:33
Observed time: 3:34
